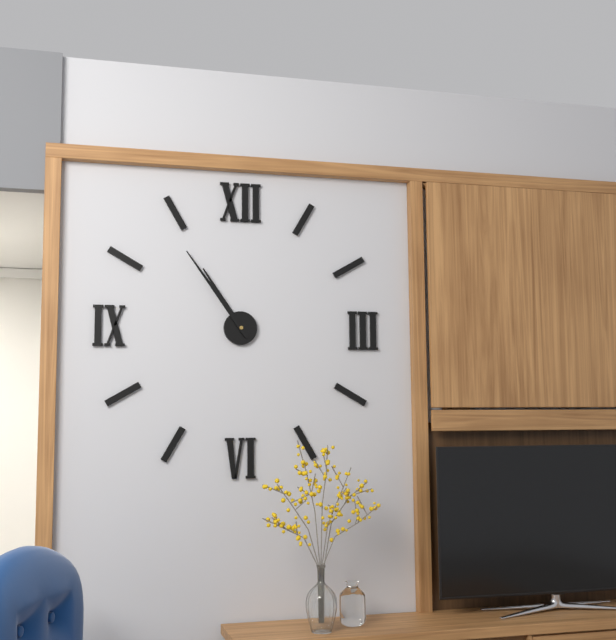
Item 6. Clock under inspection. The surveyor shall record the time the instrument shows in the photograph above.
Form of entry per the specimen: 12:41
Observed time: 10:54
